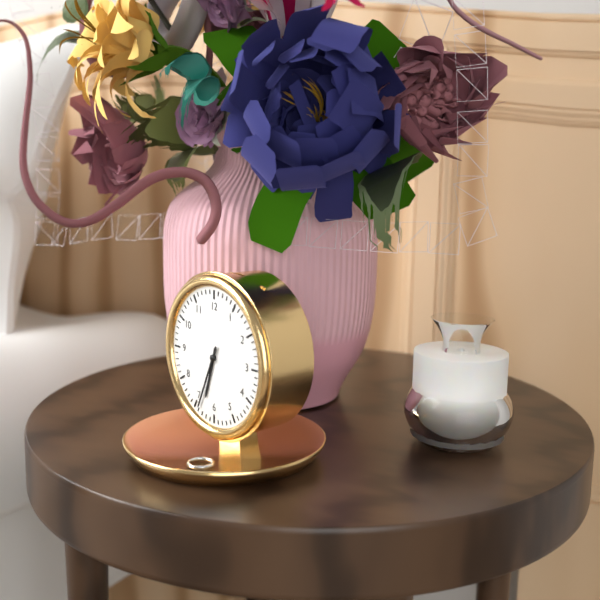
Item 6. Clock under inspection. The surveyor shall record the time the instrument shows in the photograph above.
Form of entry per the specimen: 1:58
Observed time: 6:34
